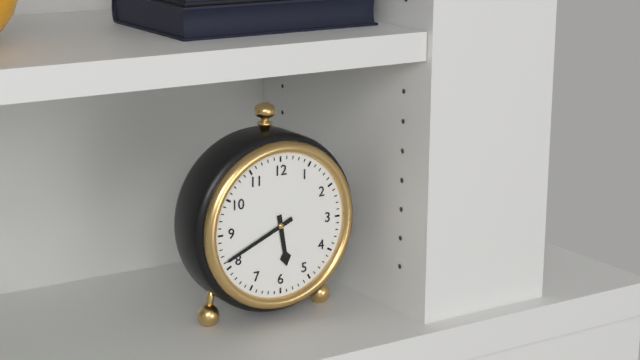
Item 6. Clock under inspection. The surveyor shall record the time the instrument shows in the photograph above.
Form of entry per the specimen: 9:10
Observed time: 5:41
